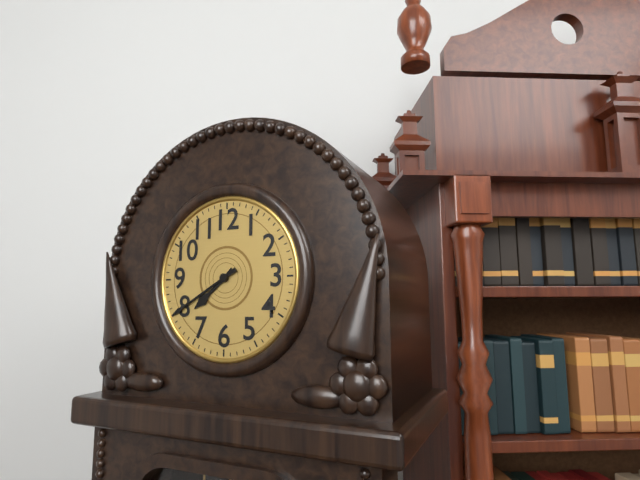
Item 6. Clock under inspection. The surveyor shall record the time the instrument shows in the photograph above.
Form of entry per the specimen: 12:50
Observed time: 7:40
